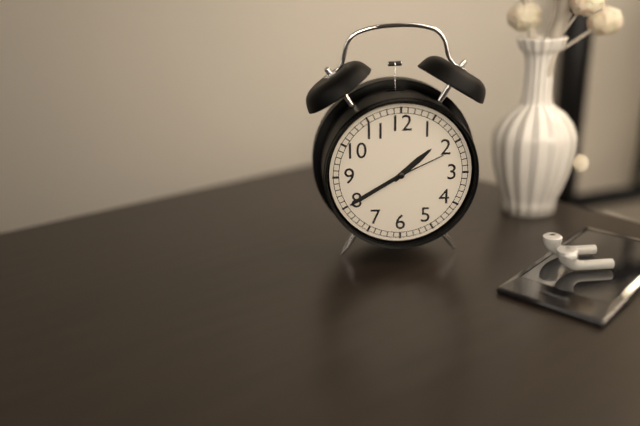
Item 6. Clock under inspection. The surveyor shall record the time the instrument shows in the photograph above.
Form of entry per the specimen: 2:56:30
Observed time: 1:40:11
